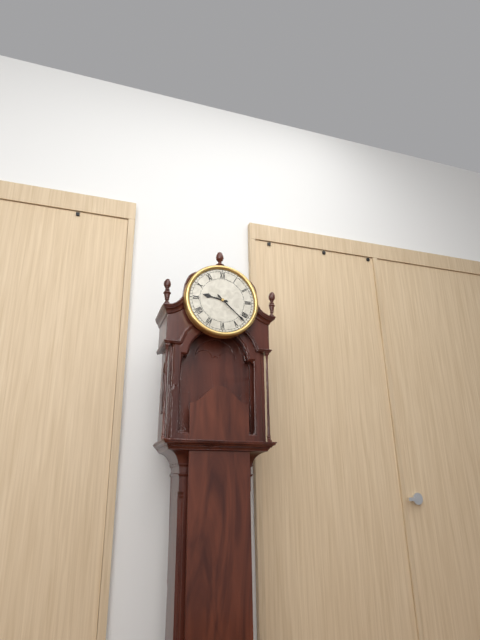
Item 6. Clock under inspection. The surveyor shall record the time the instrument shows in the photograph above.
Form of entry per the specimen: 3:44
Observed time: 9:22
